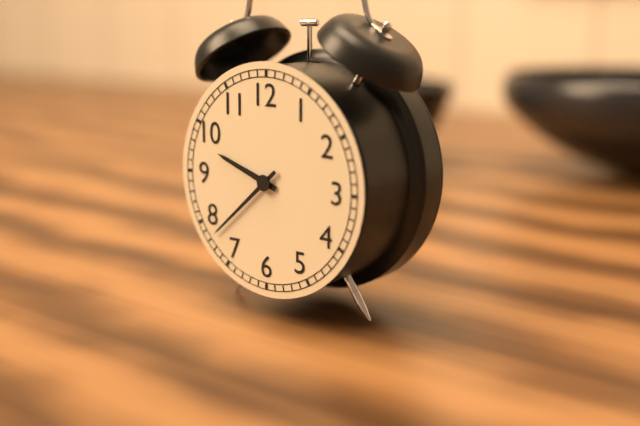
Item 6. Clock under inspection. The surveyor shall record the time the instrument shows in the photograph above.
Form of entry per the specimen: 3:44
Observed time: 9:38
